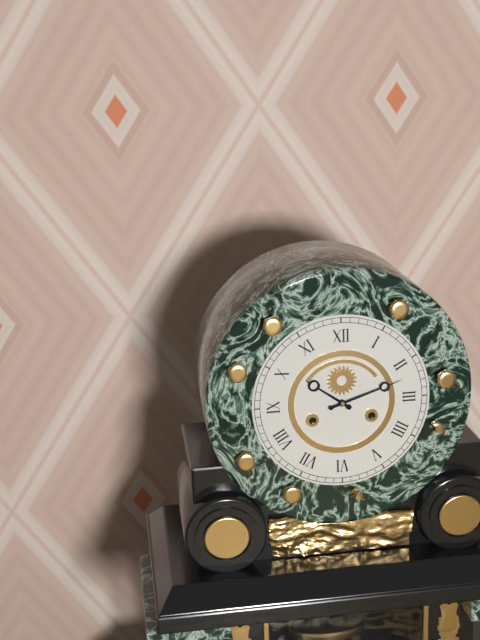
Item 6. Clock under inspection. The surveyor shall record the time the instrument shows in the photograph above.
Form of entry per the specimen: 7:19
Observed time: 10:12
